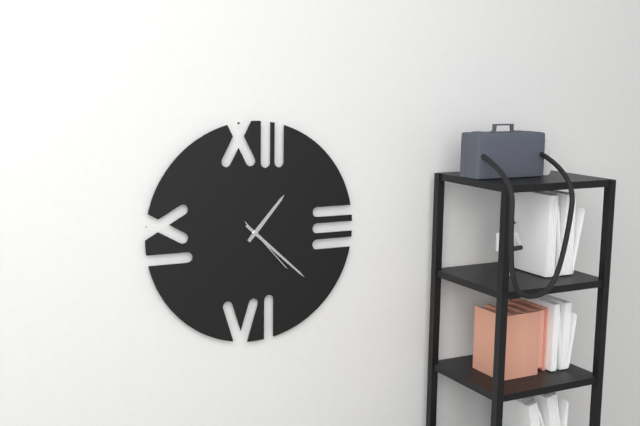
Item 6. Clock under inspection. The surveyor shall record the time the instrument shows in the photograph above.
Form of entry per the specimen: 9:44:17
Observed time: 1:22:23
